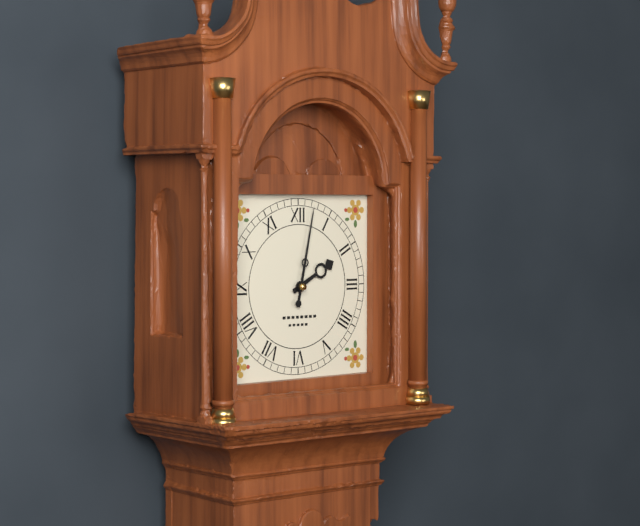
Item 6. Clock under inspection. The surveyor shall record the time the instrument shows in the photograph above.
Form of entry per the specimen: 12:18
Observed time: 2:02
